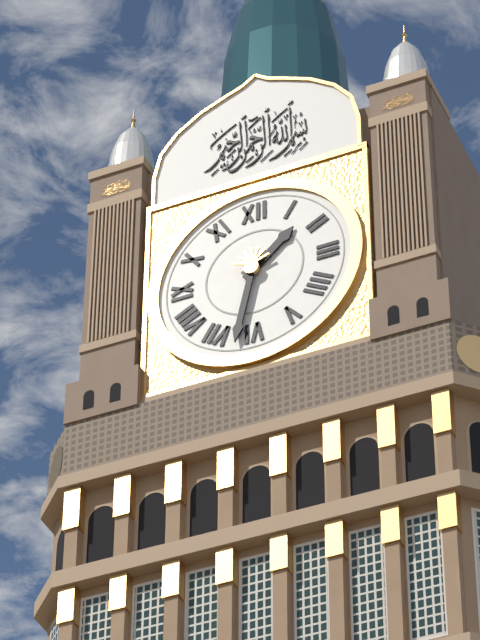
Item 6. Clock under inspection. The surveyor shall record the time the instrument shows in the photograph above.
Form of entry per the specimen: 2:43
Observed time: 1:32
